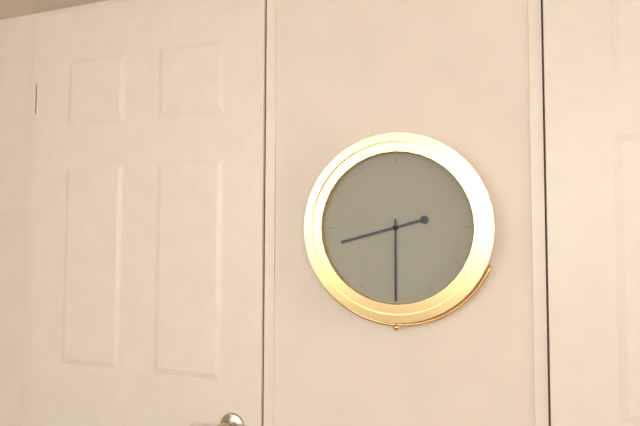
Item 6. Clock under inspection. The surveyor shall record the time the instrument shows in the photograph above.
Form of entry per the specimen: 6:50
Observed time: 8:30
